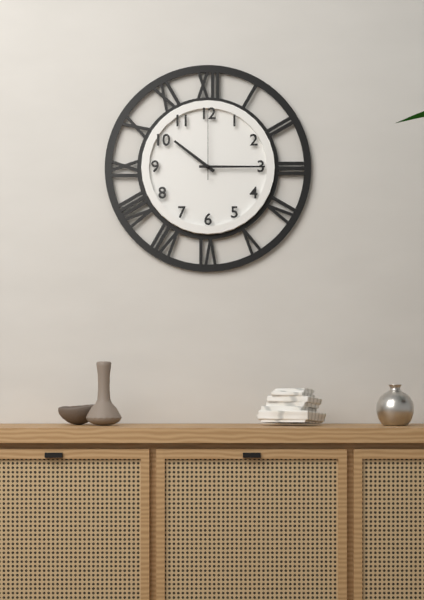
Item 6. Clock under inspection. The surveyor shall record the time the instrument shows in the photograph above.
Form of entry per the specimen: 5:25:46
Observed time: 10:15:00
